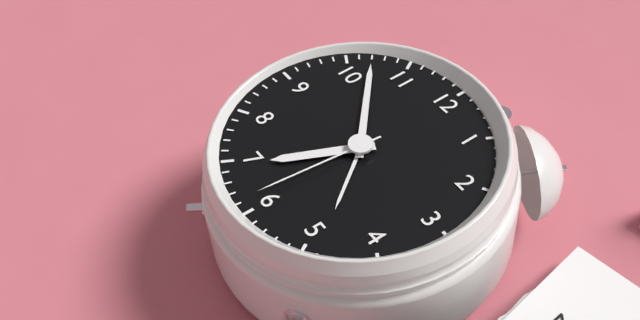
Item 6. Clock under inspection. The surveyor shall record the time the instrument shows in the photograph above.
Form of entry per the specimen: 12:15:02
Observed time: 6:52:31
